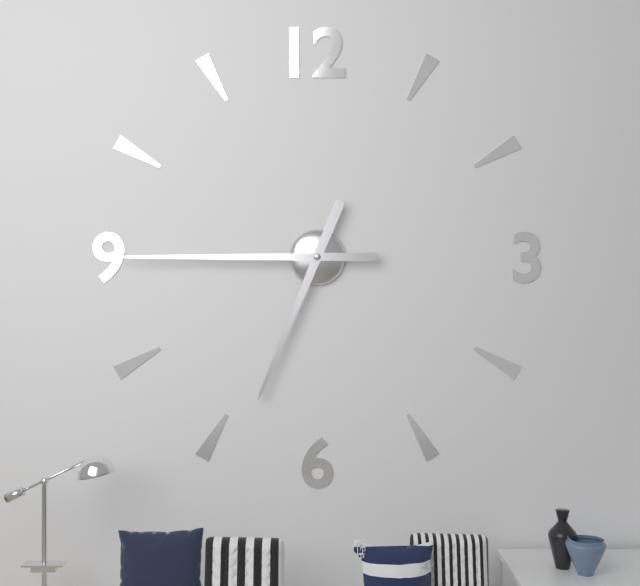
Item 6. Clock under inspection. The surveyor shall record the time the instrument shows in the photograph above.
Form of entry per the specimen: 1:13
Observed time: 6:45
